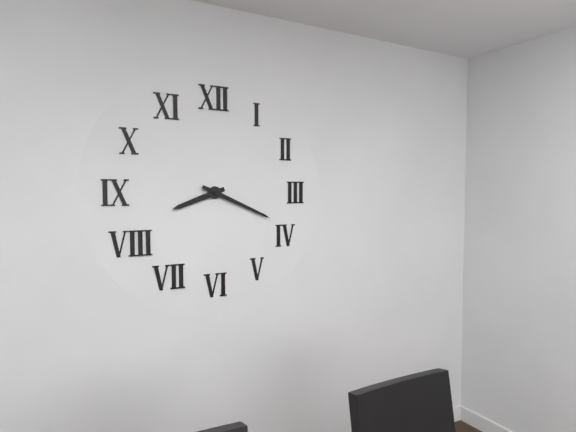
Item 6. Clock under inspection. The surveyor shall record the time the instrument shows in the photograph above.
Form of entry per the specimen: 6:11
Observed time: 8:19
